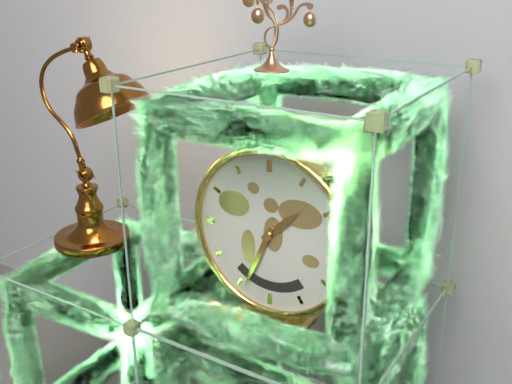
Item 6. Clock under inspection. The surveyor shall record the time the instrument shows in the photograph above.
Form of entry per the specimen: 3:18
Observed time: 1:34
